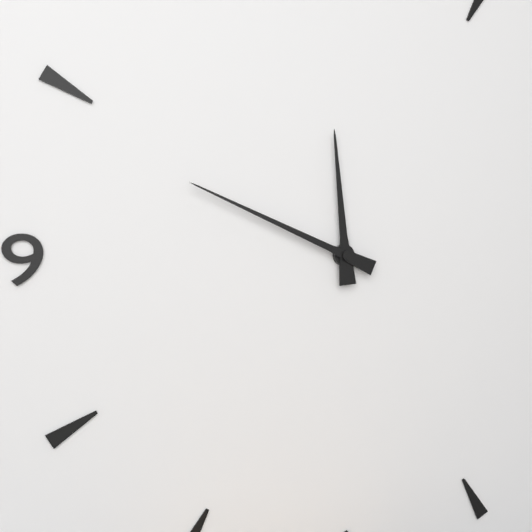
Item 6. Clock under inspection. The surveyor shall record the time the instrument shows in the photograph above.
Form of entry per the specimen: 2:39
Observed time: 11:49
